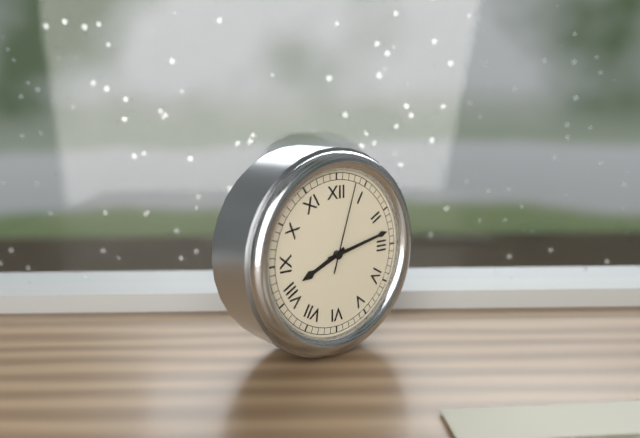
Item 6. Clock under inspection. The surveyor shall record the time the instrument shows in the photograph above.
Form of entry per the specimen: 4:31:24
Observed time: 8:13:03
